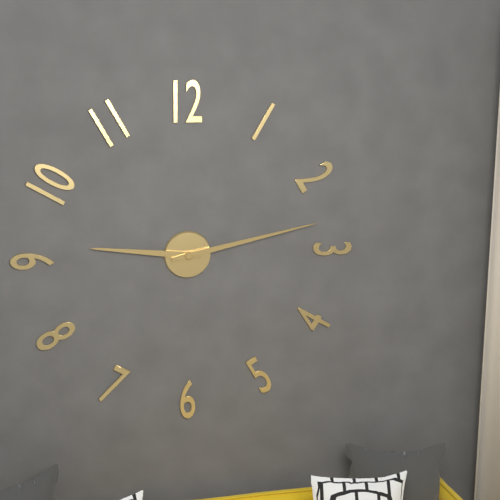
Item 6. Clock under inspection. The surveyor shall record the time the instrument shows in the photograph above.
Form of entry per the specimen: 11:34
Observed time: 9:13
